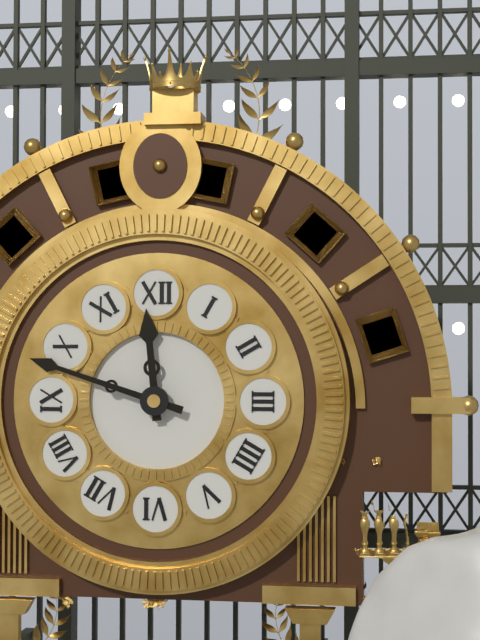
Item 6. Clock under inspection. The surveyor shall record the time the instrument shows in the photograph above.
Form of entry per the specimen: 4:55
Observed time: 11:48
